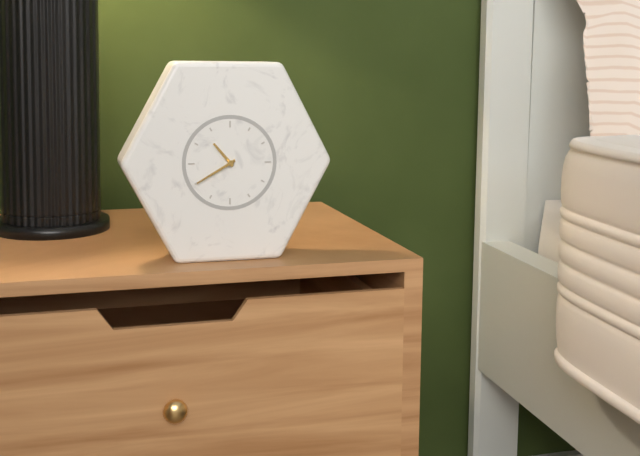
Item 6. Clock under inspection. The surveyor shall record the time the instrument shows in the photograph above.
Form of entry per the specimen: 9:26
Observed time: 10:40
